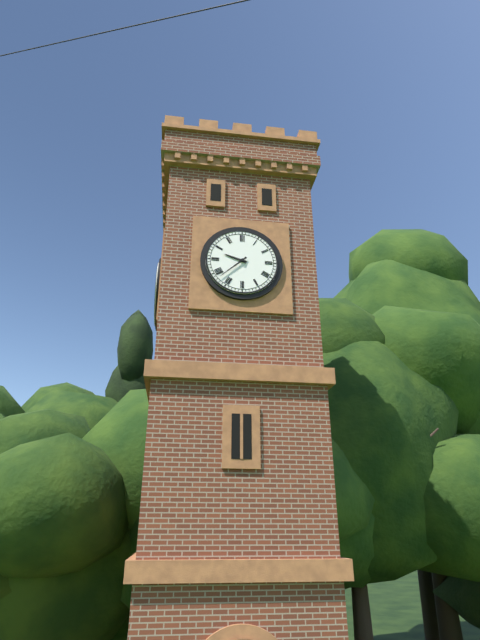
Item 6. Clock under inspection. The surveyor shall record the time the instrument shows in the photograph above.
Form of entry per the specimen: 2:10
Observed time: 9:38
